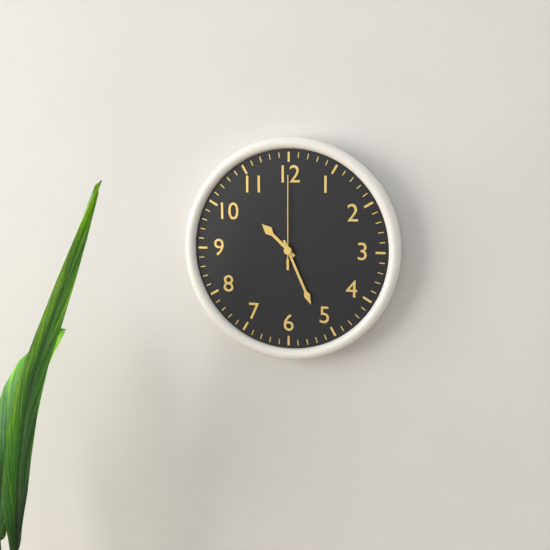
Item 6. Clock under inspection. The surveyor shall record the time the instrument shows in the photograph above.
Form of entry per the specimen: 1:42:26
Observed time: 10:26:00
